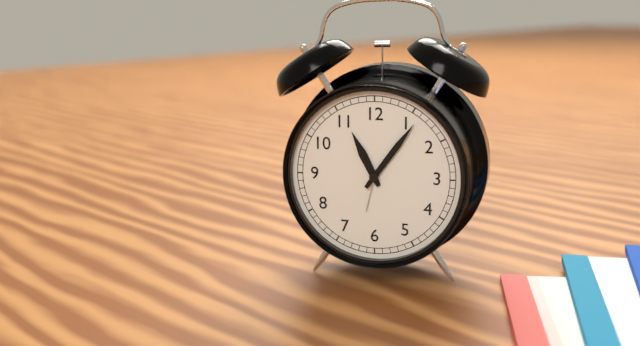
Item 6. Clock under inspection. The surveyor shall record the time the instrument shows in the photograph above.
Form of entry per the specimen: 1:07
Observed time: 11:06
